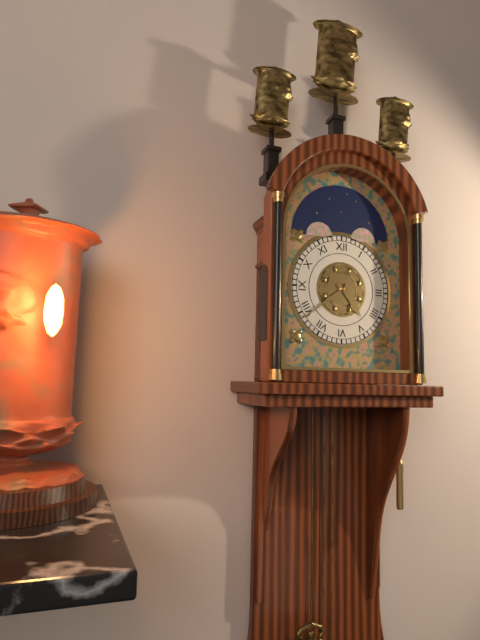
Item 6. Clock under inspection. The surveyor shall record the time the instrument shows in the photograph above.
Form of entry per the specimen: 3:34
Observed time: 4:39
